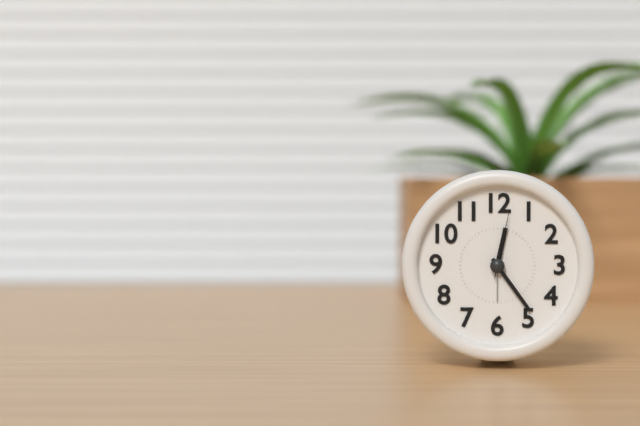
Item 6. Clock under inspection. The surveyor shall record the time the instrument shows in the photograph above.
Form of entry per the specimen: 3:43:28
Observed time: 12:24:02
